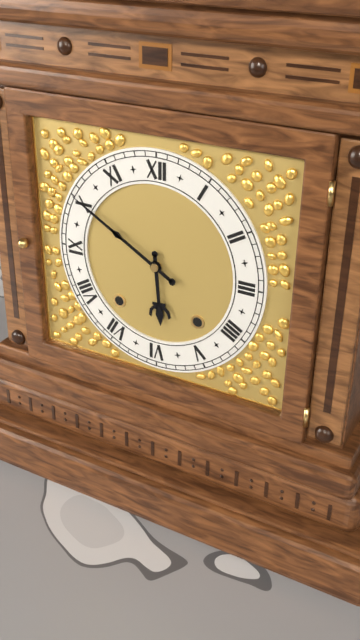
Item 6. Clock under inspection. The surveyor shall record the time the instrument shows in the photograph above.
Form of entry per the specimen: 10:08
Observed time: 5:50
